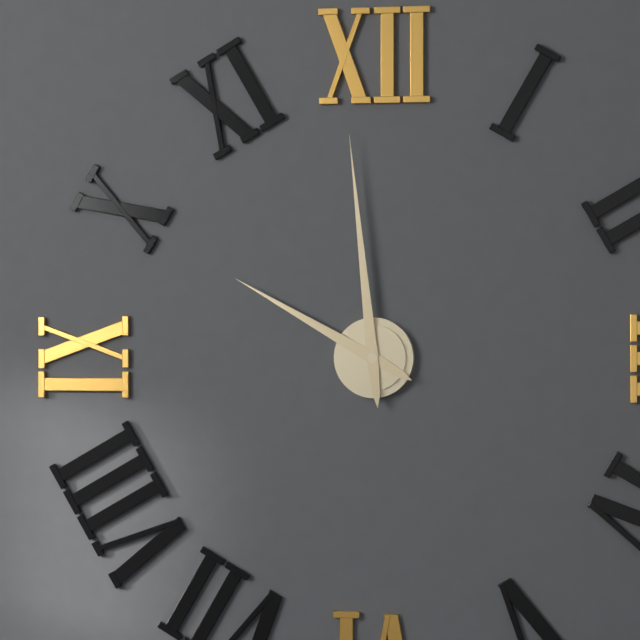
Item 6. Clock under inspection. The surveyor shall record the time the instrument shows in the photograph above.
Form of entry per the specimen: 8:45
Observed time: 9:59
